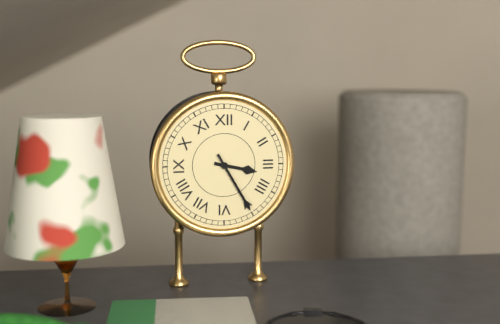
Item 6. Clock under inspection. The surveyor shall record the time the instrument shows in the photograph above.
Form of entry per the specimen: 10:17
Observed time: 3:25
